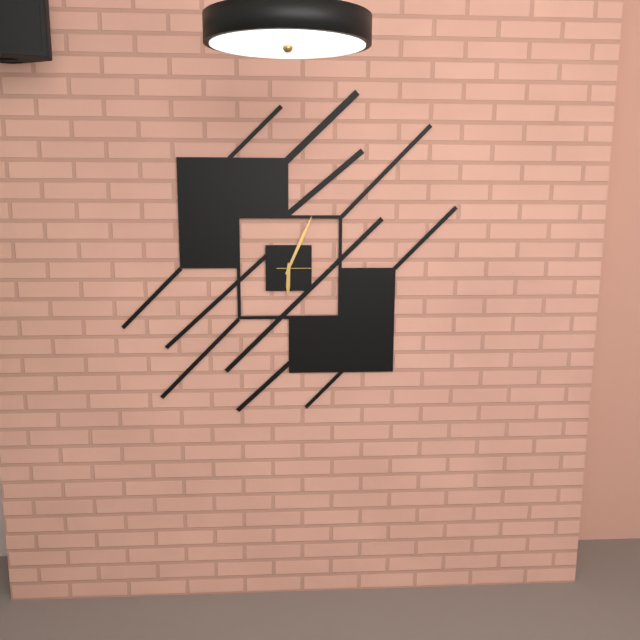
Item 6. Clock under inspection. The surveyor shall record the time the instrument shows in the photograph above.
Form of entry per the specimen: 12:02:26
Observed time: 6:04:15
